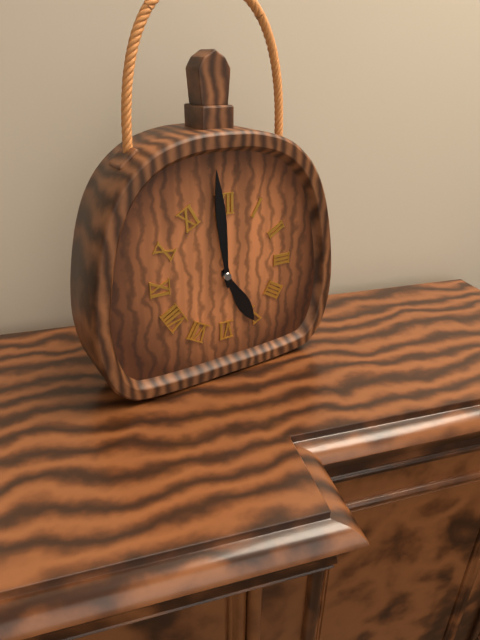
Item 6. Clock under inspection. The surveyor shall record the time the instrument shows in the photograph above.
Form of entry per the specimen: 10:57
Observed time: 4:59
